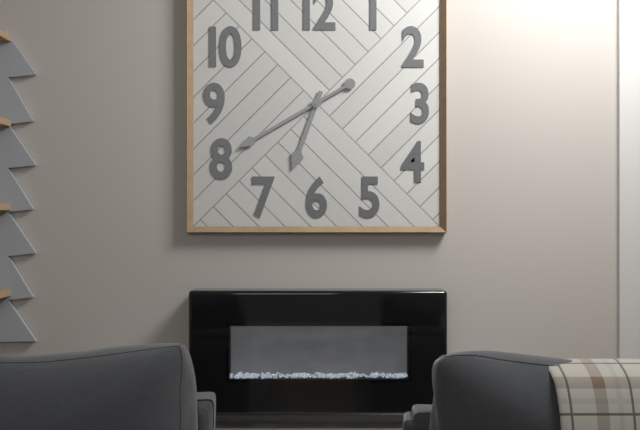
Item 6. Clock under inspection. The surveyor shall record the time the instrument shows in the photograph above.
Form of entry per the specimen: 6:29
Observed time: 6:40
